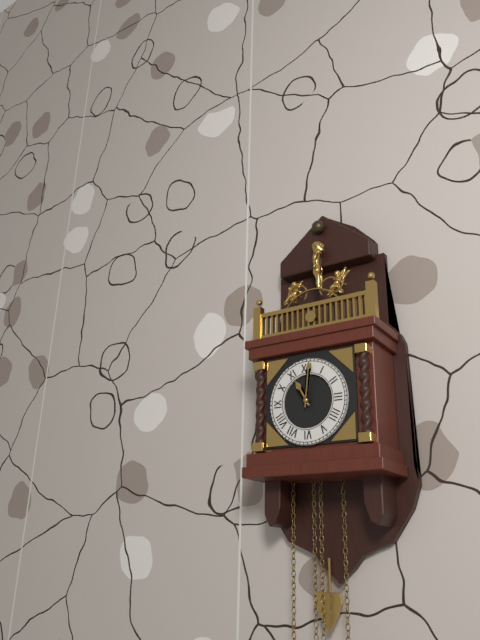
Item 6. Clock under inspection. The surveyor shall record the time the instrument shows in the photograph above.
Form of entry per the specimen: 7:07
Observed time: 11:01
